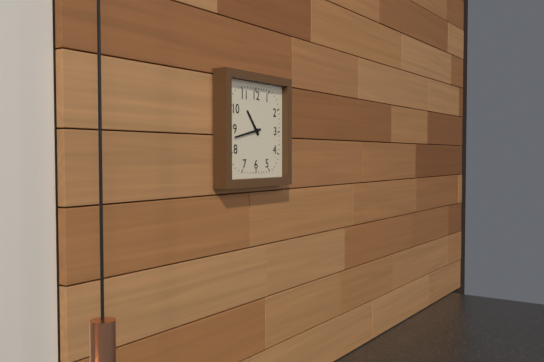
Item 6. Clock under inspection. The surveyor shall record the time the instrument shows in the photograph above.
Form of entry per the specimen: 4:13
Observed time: 10:43
